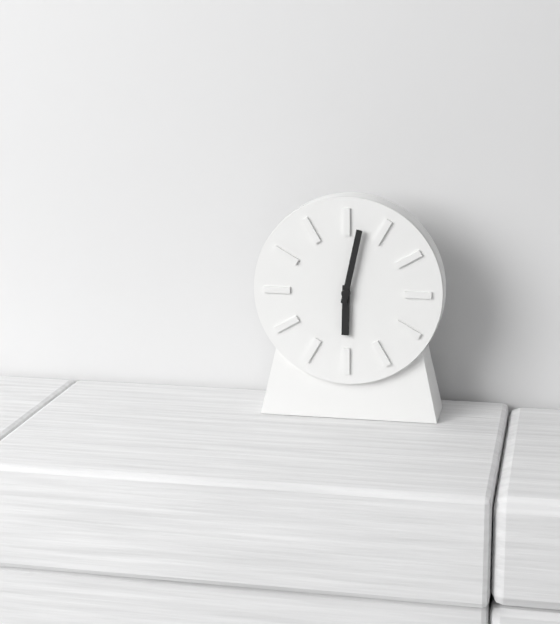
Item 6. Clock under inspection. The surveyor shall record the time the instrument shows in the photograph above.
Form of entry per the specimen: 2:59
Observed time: 6:02
